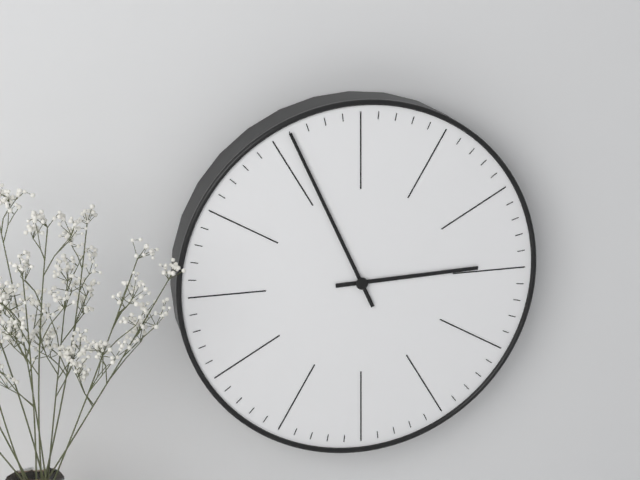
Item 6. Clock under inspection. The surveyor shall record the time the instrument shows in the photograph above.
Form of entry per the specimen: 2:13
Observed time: 2:56
